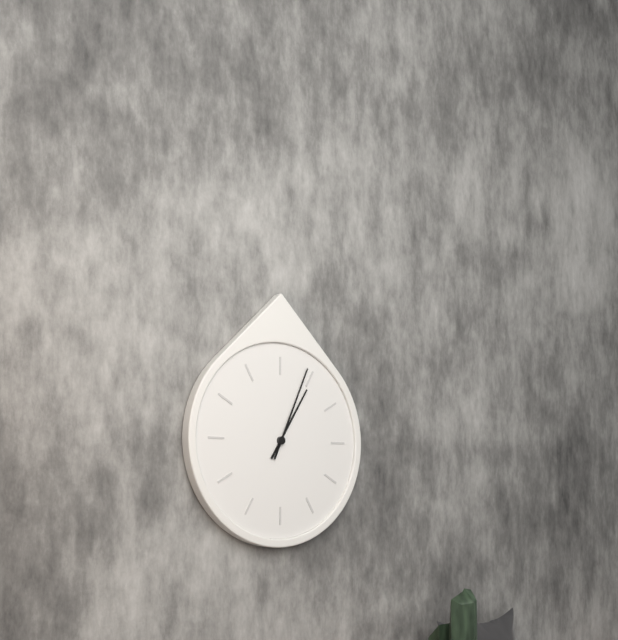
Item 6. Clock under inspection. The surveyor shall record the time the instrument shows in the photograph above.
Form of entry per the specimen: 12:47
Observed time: 1:04
